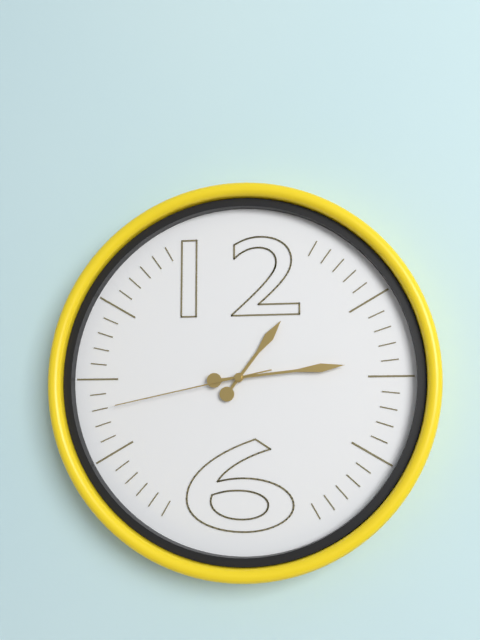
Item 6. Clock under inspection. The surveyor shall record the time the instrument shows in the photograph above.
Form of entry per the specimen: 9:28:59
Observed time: 1:14:43
